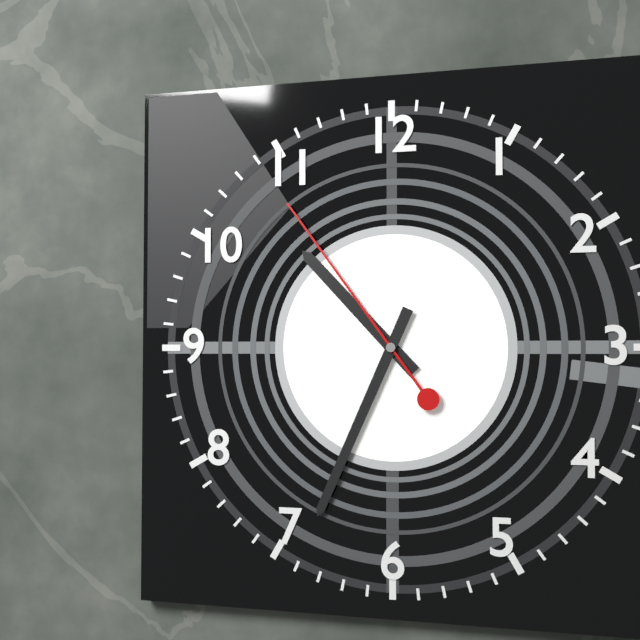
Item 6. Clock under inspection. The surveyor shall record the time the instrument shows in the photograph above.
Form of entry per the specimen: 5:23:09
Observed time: 10:34:54
